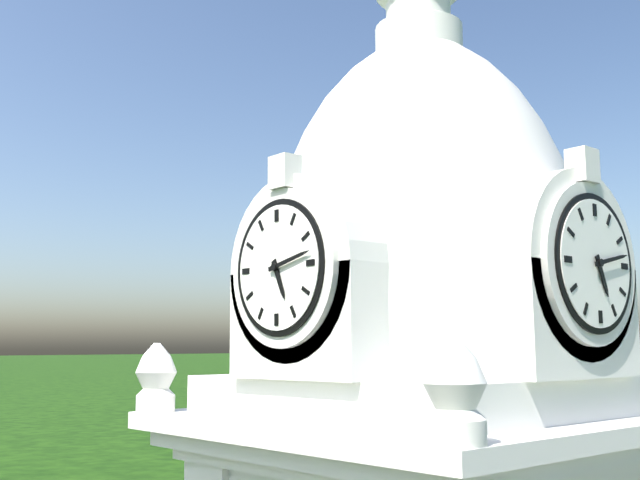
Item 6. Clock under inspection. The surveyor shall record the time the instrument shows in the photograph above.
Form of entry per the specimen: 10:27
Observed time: 5:13
